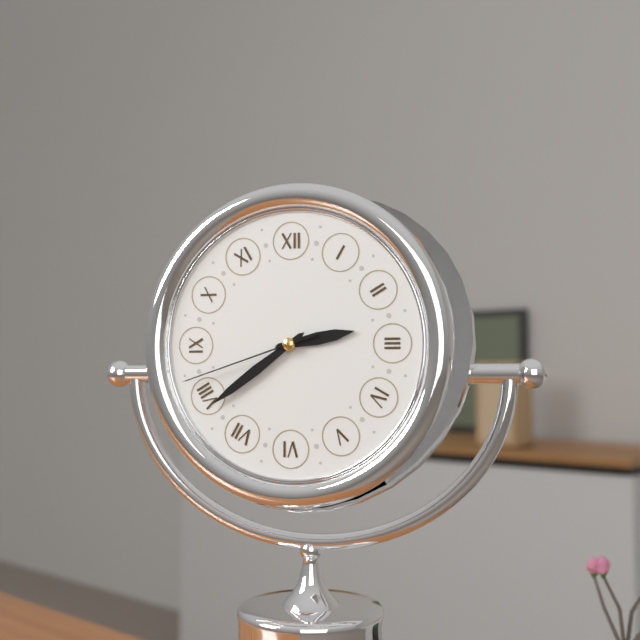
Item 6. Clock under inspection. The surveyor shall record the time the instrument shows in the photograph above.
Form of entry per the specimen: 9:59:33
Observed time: 2:39:42
